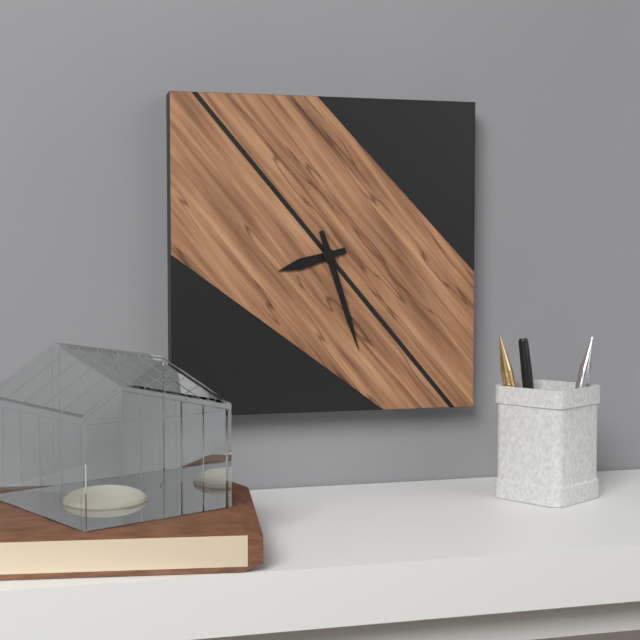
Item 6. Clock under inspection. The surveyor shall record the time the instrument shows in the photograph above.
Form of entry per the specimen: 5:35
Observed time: 8:27
